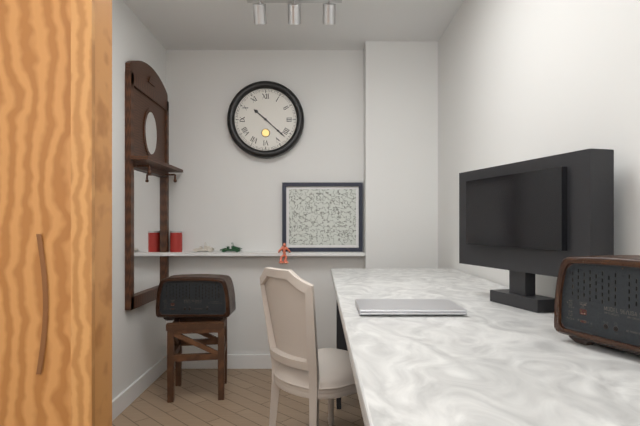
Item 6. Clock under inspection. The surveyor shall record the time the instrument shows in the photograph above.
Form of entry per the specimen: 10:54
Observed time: 10:22
